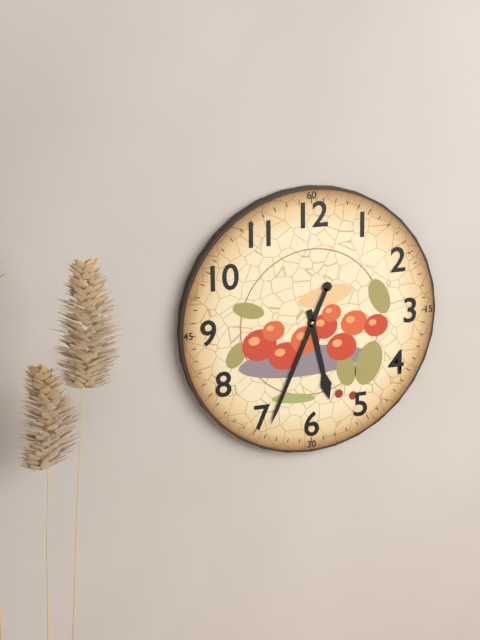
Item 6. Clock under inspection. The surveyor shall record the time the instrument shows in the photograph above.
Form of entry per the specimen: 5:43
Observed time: 5:34
